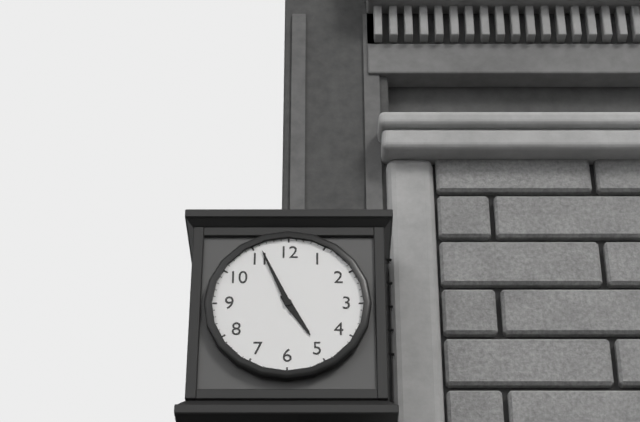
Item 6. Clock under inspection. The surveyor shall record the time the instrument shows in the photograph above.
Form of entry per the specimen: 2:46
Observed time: 4:56
